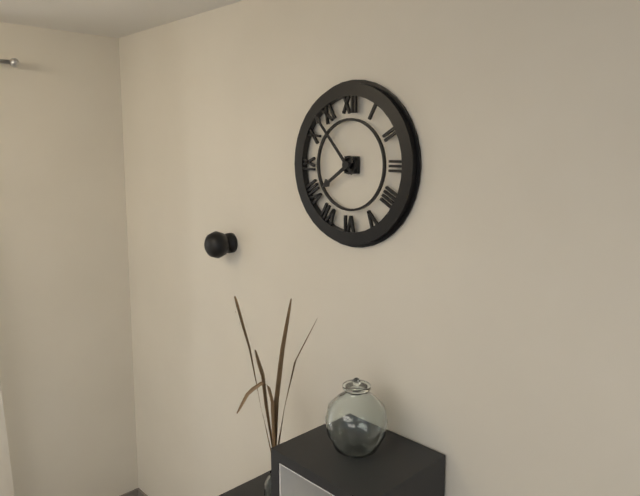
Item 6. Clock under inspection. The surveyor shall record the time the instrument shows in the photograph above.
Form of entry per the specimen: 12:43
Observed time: 7:53
